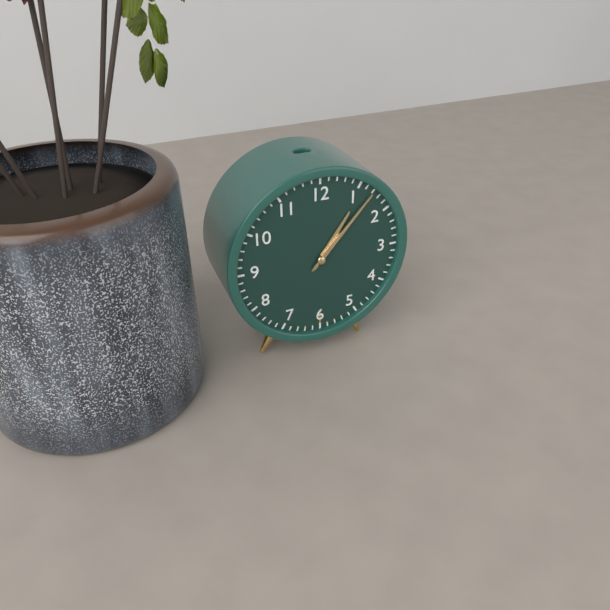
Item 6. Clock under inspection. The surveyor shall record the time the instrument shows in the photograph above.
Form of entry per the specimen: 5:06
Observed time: 1:07
